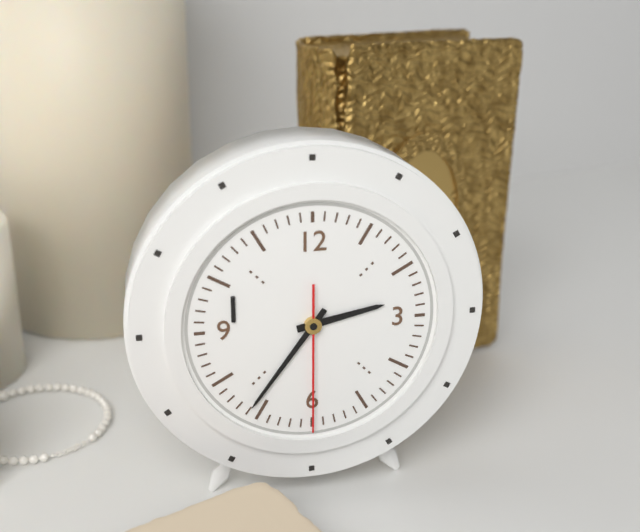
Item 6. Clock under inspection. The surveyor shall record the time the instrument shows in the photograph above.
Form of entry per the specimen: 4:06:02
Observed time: 2:36:30
